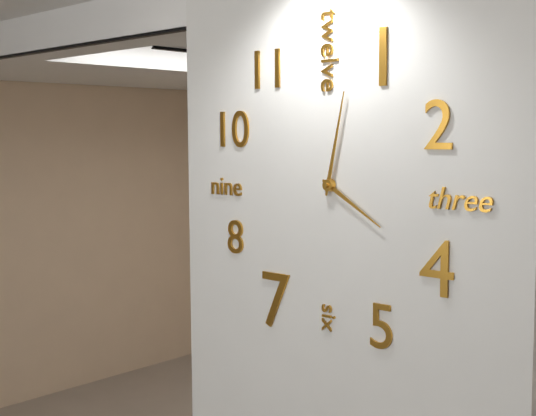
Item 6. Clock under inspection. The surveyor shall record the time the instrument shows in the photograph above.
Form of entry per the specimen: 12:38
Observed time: 4:02
